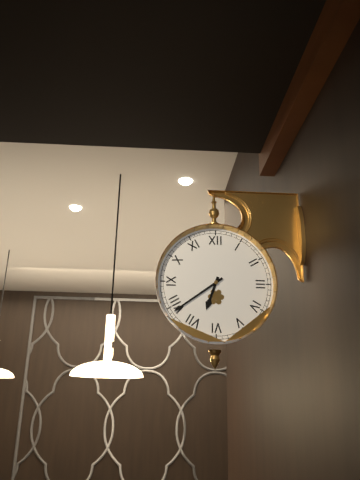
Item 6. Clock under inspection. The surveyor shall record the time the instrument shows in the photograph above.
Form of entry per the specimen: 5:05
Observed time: 6:39
